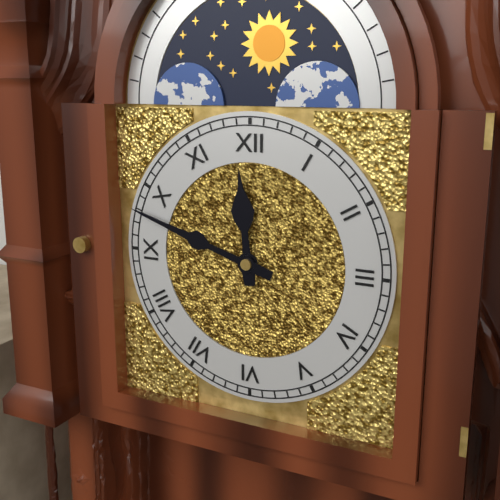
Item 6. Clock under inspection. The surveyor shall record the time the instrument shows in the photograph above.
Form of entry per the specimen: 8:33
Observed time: 11:48
